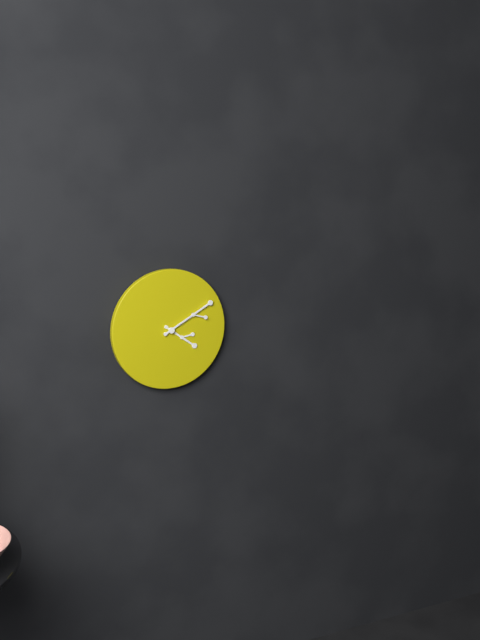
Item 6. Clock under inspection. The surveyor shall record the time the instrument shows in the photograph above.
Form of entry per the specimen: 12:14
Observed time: 4:10
